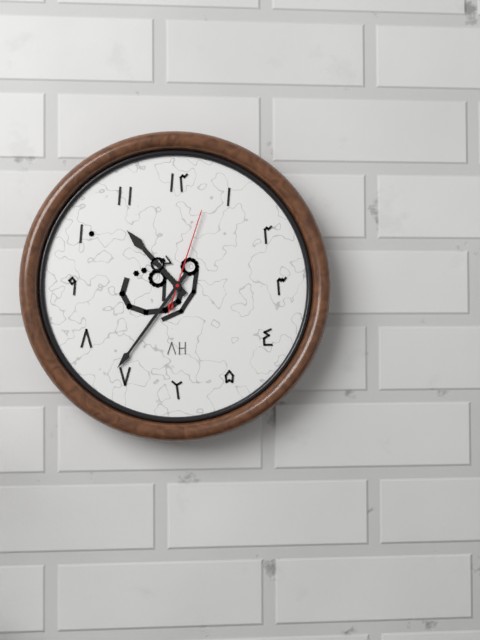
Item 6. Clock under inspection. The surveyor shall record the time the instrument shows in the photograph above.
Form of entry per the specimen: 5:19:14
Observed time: 10:36:03
